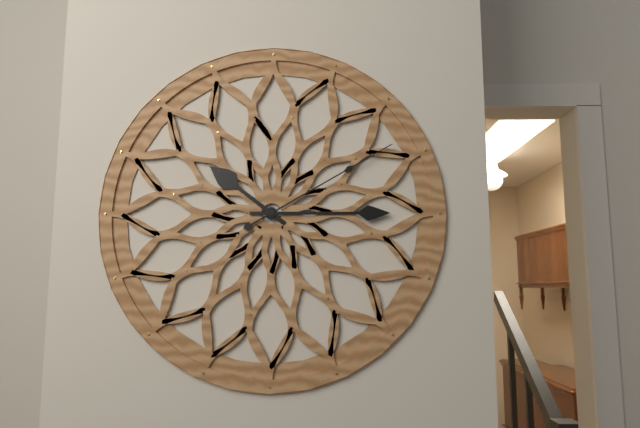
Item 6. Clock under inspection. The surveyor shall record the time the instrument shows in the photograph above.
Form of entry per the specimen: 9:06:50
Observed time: 10:15:10
